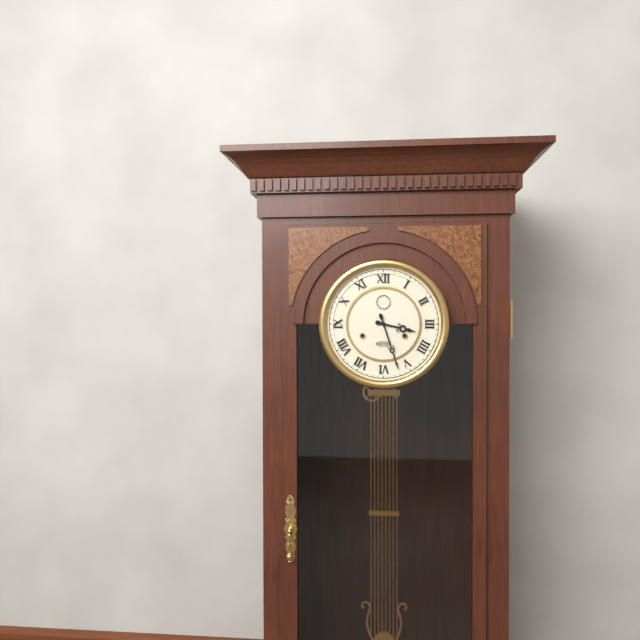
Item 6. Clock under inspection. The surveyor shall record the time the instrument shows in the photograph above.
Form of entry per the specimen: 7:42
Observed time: 3:27
